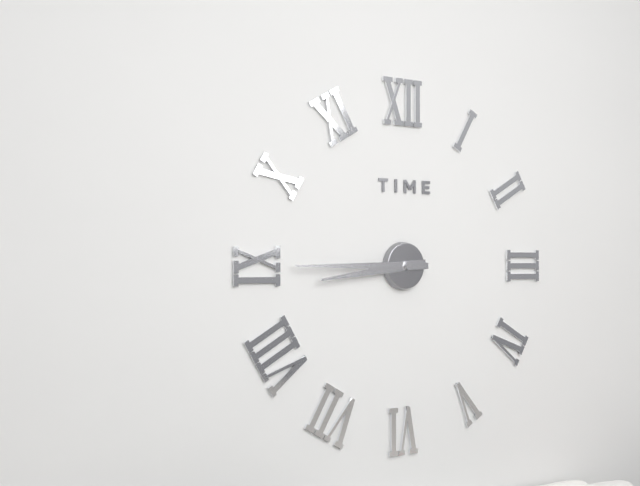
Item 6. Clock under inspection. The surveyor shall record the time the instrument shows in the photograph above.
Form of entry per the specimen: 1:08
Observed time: 8:45
